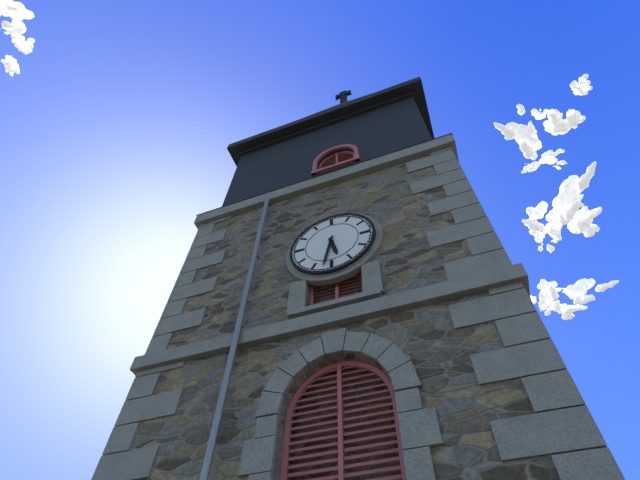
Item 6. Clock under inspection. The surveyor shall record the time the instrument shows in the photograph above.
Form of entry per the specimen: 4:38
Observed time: 5:32
